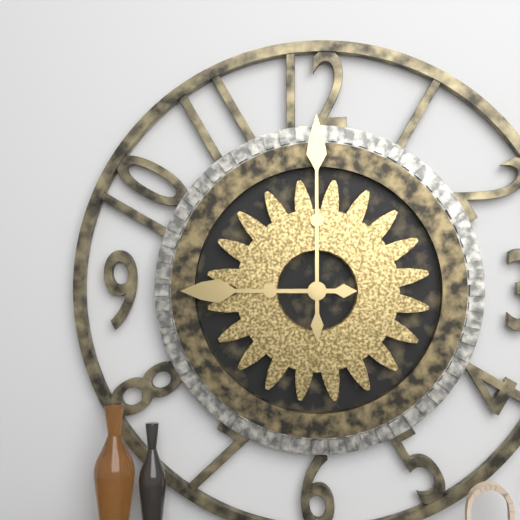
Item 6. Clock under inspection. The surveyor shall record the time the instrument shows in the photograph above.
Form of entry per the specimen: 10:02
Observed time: 9:00
